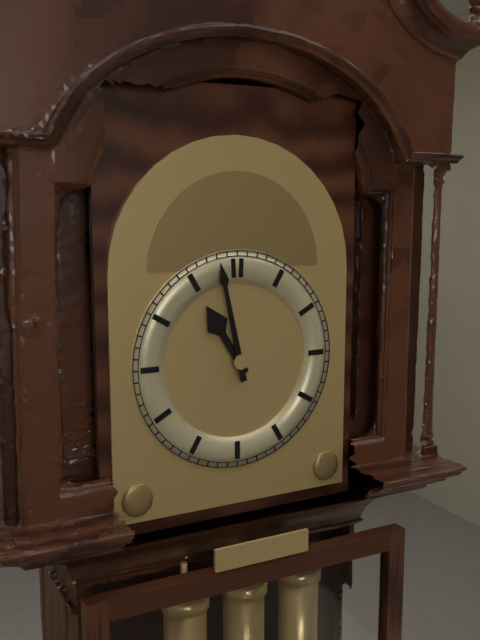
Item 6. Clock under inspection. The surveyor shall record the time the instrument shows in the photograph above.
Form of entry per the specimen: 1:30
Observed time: 10:58
